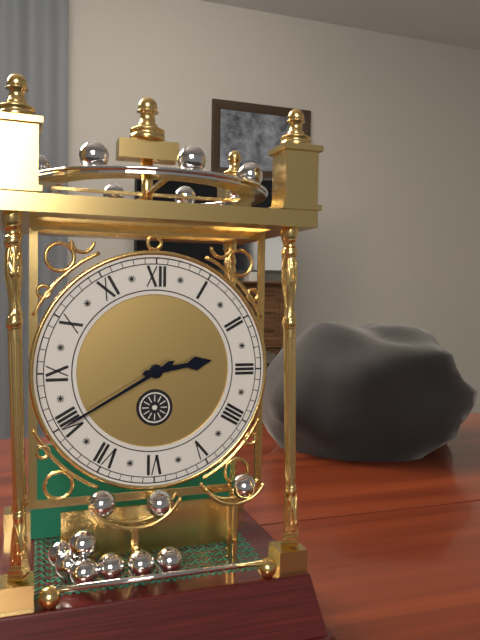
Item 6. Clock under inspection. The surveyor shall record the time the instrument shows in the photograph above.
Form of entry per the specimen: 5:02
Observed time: 2:40
